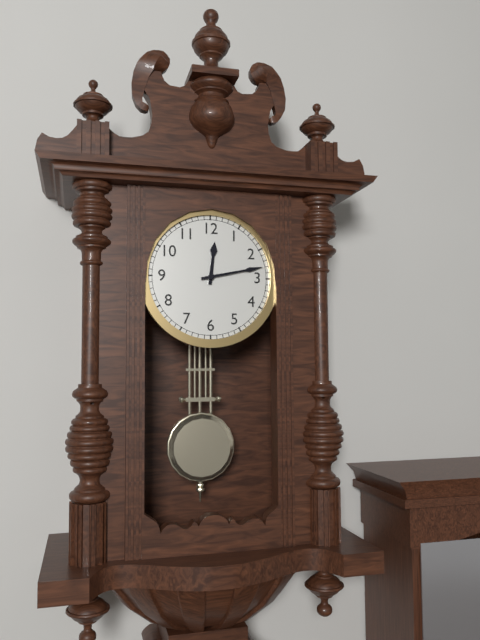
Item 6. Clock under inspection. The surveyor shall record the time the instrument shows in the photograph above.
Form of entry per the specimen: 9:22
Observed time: 12:13
